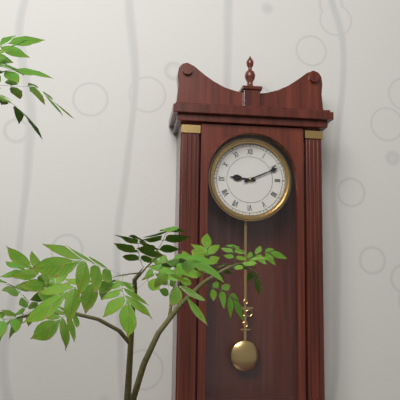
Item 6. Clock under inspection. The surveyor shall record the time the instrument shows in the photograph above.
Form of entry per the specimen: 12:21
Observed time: 9:11
